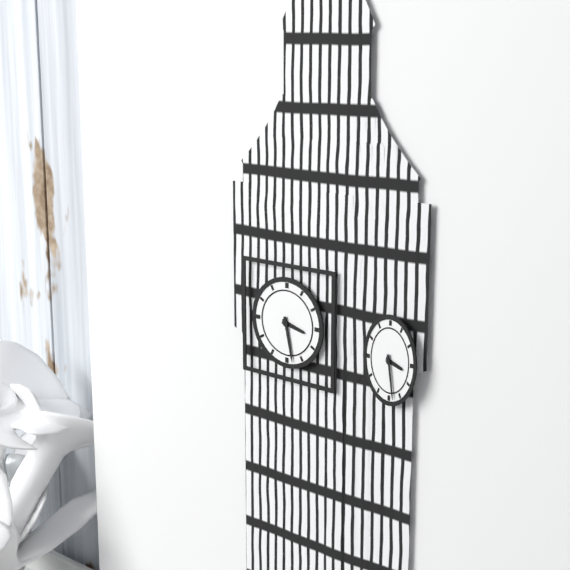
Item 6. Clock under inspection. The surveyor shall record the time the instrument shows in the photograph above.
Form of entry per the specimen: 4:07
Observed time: 3:28
